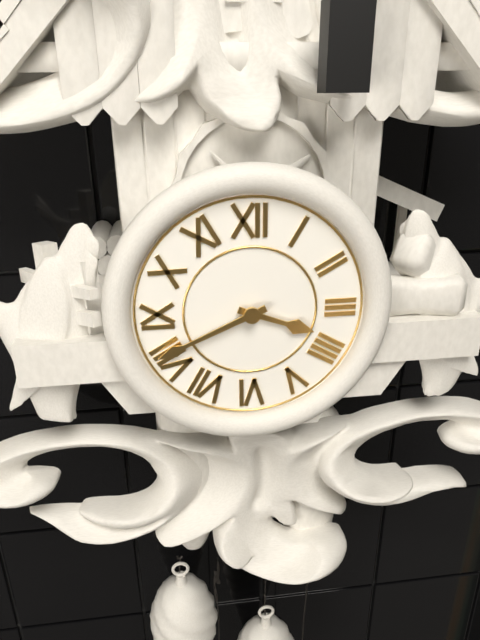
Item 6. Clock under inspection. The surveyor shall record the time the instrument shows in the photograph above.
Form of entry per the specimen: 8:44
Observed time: 3:41
